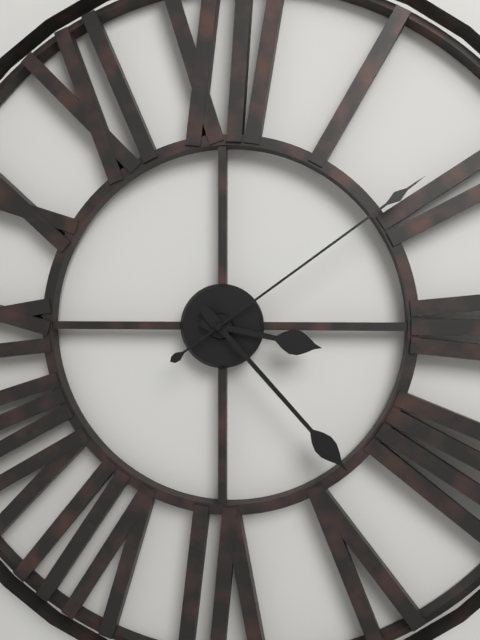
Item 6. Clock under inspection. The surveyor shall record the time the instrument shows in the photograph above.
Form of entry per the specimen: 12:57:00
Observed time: 3:23:09
